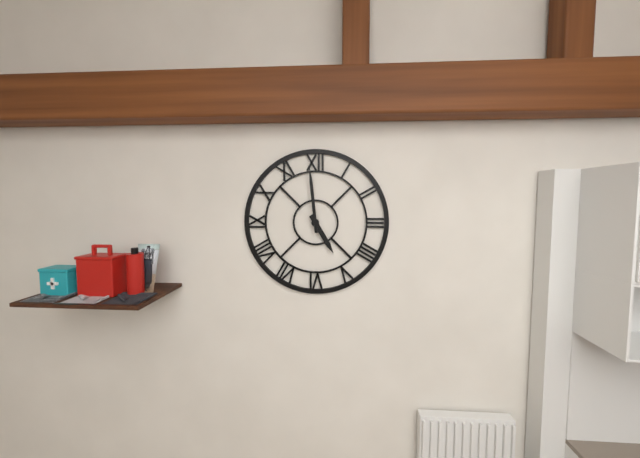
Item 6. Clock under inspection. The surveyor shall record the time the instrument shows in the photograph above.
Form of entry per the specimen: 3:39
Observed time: 4:59
